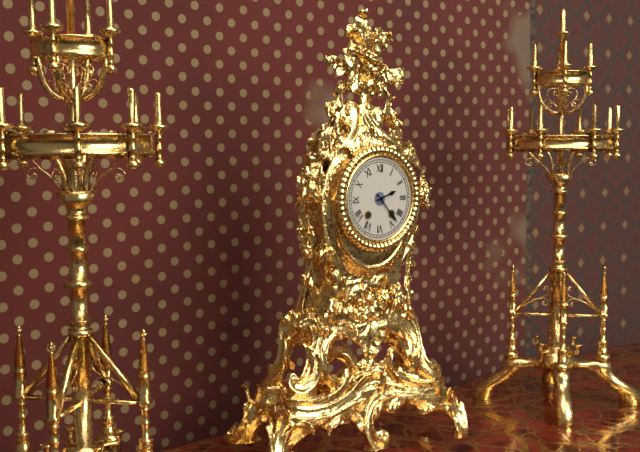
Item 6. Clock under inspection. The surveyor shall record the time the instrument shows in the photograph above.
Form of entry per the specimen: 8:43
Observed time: 2:23
